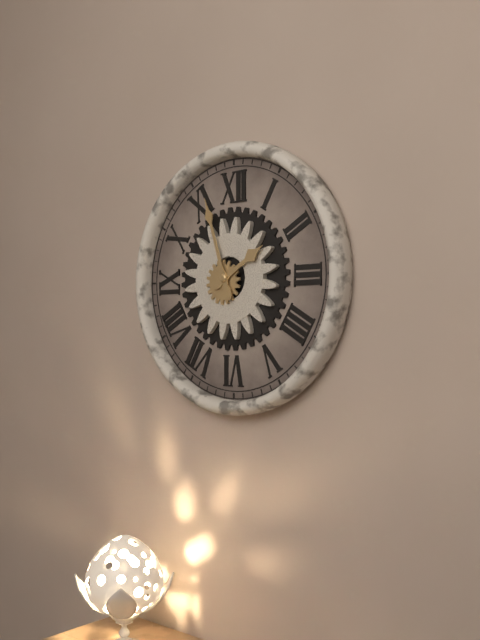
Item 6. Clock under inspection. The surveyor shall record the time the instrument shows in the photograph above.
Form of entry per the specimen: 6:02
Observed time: 1:57
